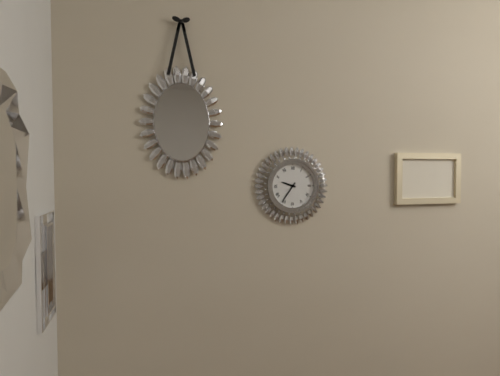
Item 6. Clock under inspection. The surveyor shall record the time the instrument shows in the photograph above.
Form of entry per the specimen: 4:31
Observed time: 9:36
